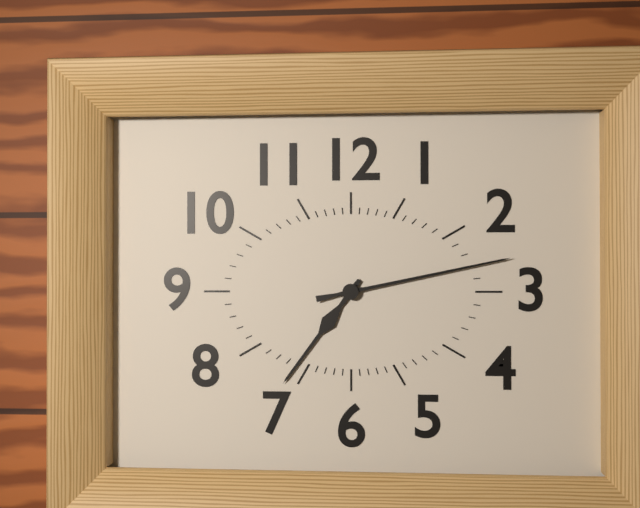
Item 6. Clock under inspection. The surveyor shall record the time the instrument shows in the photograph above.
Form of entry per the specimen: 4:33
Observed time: 7:13
